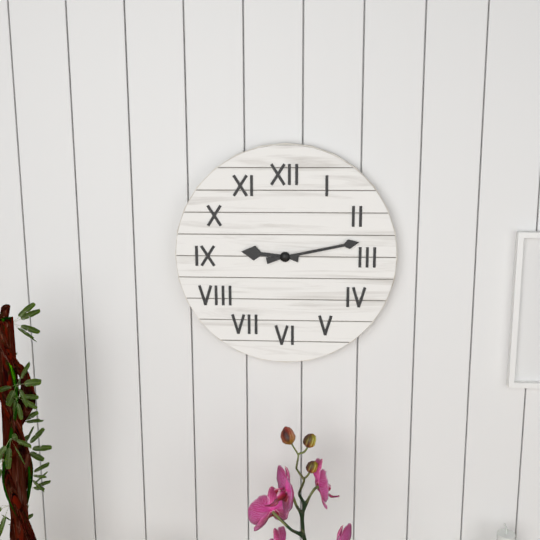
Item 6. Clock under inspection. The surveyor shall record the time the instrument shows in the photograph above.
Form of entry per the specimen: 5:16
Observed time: 9:13
